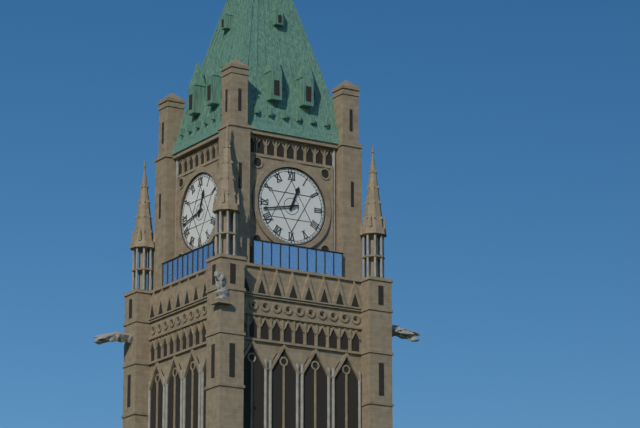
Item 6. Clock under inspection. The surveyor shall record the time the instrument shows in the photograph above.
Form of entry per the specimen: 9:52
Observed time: 12:43
